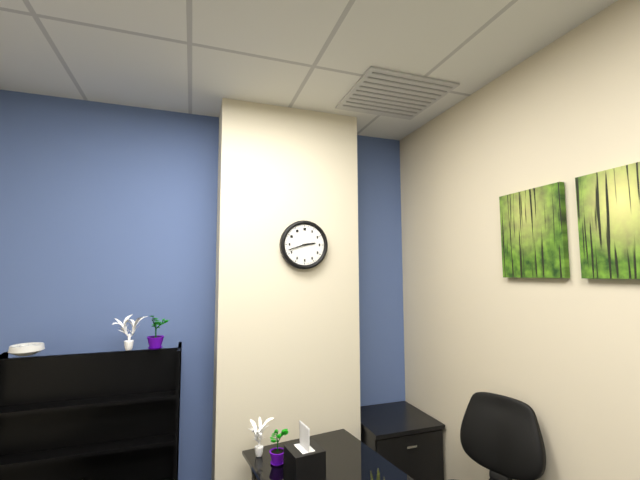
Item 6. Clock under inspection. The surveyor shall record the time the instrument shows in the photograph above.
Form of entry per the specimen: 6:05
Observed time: 2:42
